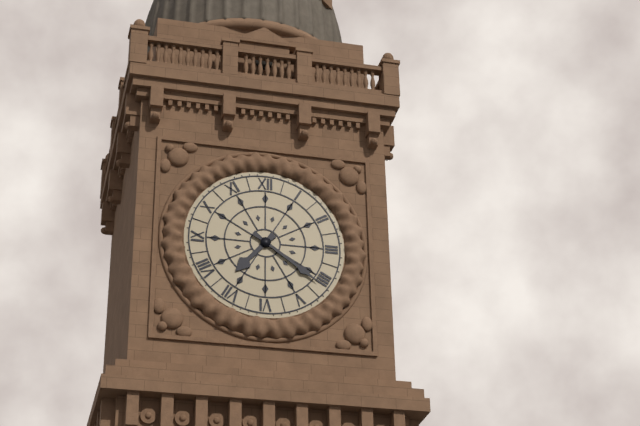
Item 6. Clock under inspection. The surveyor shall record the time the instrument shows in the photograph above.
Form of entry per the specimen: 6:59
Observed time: 7:21
